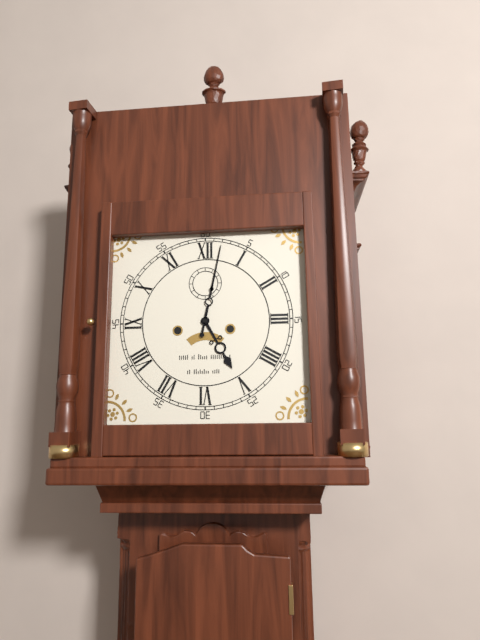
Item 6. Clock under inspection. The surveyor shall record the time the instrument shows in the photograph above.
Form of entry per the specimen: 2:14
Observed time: 5:02
